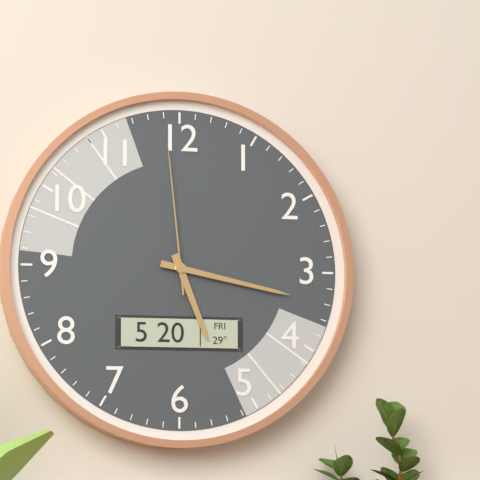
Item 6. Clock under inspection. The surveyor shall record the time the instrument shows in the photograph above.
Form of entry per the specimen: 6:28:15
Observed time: 5:17:59
